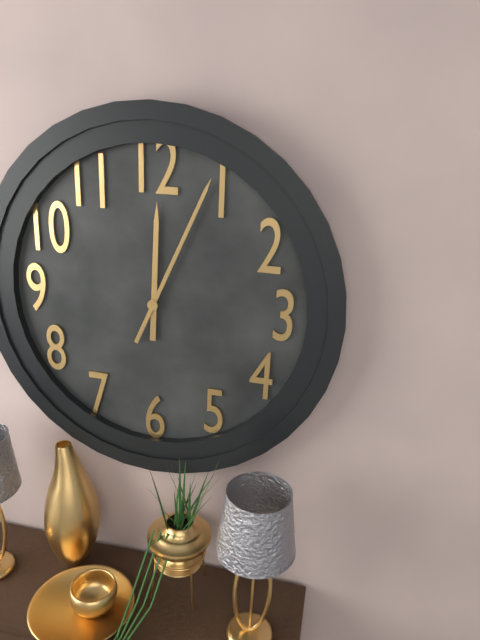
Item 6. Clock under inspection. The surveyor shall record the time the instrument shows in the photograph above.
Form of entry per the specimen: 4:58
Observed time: 12:04
